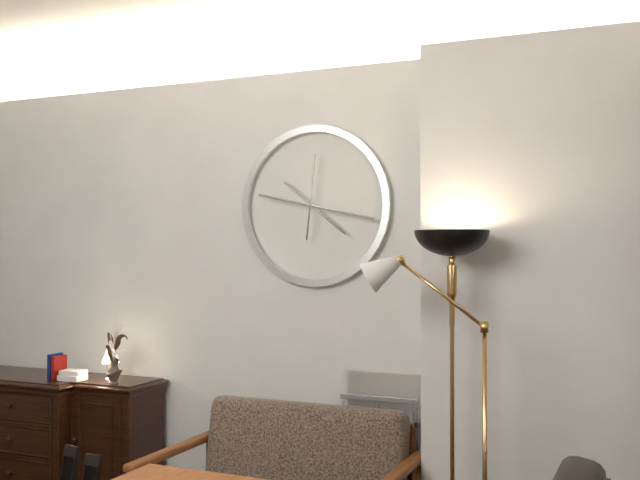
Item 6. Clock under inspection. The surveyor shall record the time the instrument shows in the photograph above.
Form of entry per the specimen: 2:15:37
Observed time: 4:17:01
